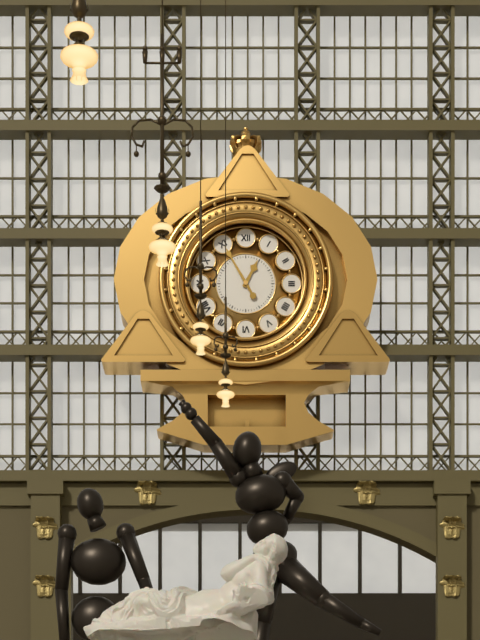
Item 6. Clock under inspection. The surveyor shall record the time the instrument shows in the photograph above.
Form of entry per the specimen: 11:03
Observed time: 12:55
